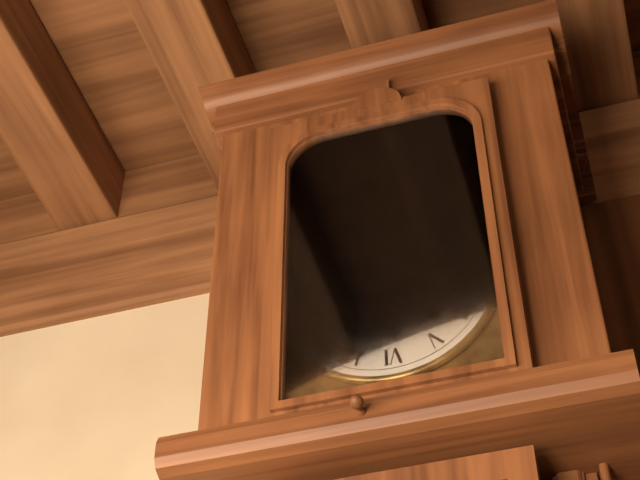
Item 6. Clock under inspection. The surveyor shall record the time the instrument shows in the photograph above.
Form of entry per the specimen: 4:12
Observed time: 5:54
